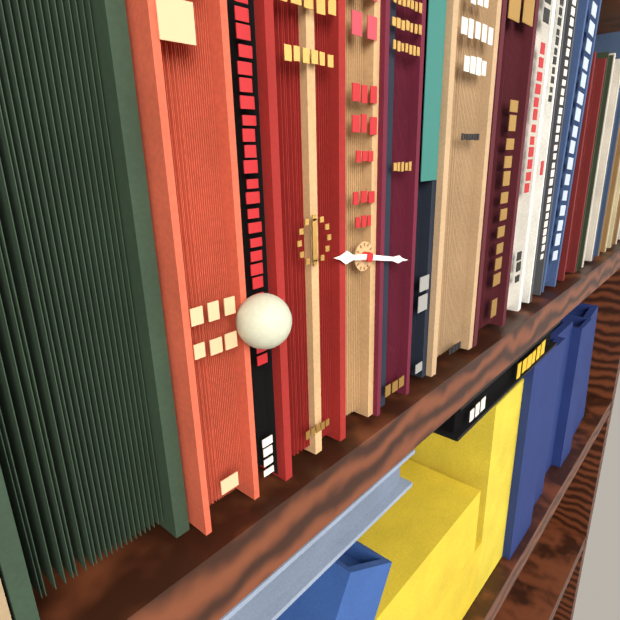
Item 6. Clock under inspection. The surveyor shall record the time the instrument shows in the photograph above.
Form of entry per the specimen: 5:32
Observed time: 9:17
